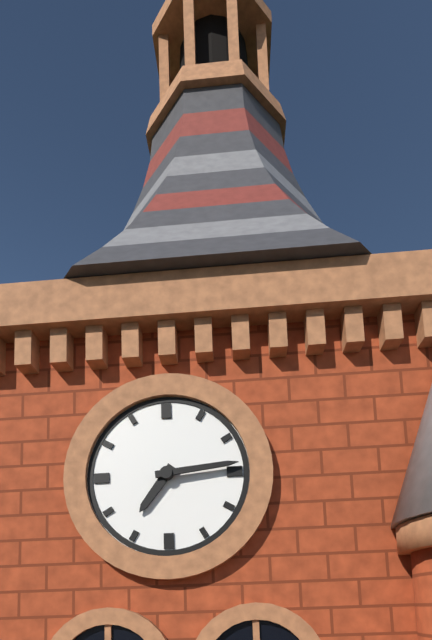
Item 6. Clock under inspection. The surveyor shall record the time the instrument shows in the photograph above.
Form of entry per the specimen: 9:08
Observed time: 7:14
